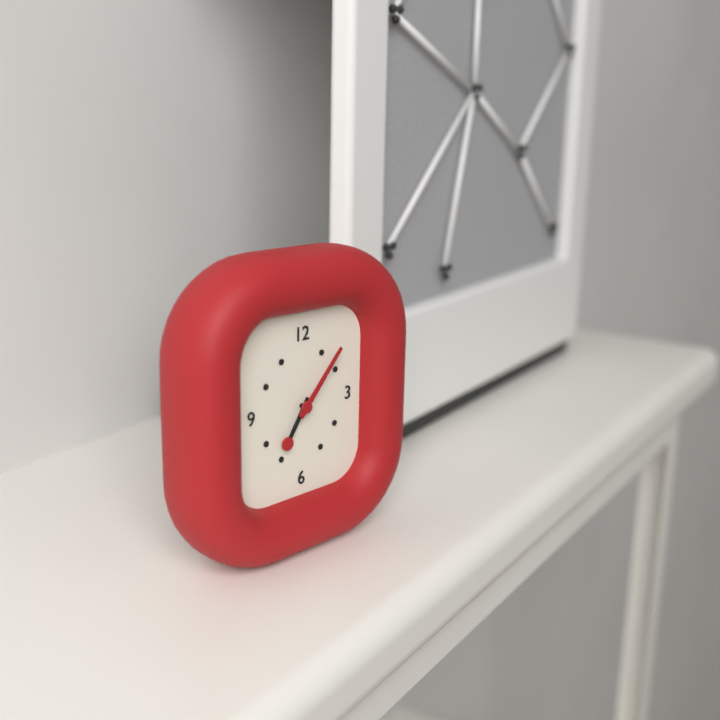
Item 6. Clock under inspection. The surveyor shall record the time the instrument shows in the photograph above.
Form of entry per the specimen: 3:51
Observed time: 7:07
